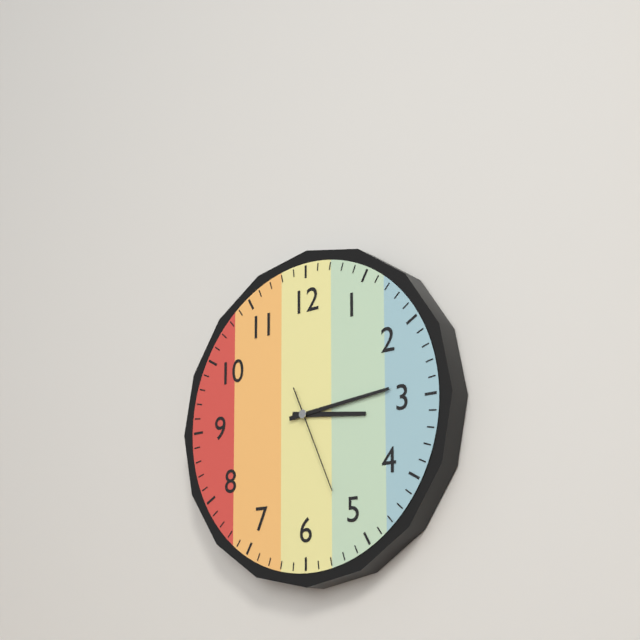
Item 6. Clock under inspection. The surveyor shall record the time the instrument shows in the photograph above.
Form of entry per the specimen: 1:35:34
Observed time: 3:14:26
